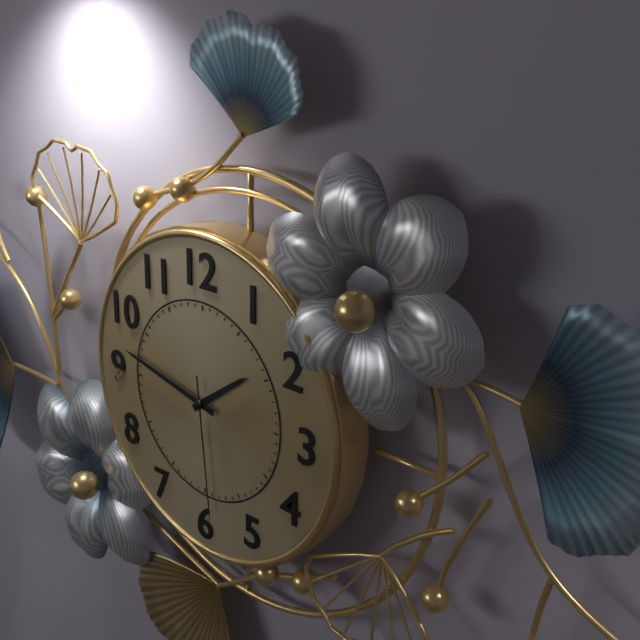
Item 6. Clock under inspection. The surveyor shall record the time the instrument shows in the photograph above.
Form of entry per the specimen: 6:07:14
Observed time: 1:47:29
